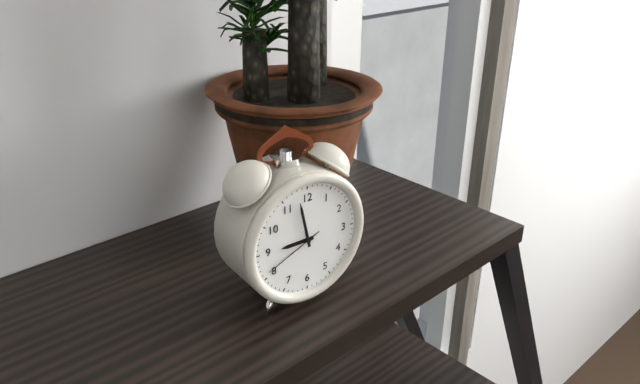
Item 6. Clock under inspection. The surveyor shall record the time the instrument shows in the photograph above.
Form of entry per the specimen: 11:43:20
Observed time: 8:58:41
